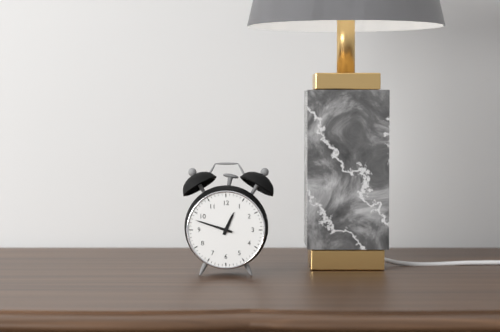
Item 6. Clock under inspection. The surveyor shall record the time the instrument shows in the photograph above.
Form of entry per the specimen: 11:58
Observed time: 12:48
